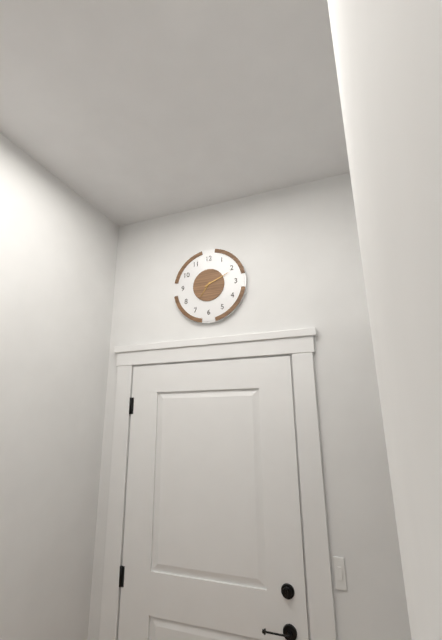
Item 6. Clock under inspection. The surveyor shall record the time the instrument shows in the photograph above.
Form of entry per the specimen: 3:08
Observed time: 7:11
